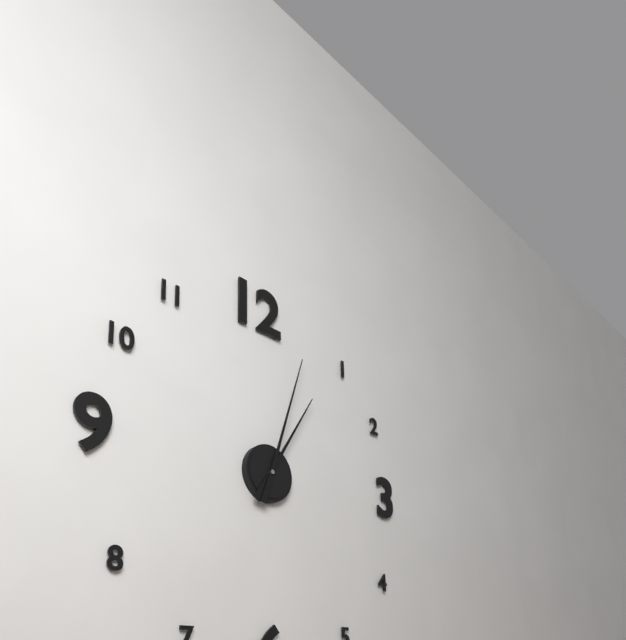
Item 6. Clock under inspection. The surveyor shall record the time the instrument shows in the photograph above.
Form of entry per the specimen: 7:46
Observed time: 1:03
